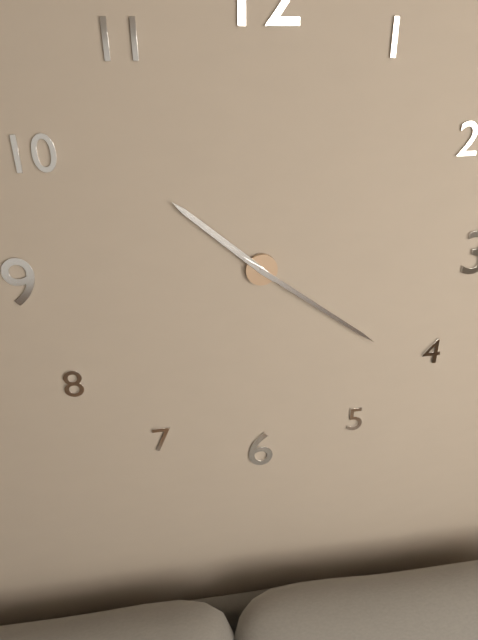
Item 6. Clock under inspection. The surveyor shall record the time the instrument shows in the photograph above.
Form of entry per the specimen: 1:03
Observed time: 10:21
